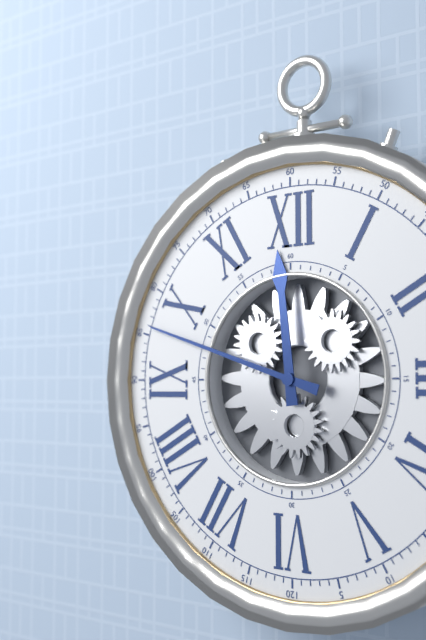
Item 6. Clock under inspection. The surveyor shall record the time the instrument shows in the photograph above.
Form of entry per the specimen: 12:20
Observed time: 11:48
